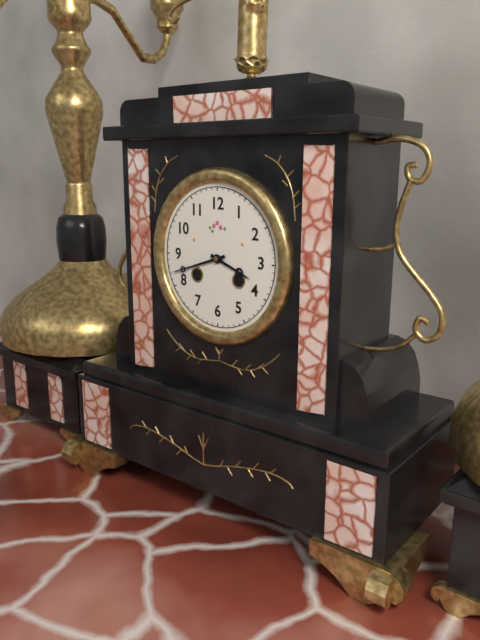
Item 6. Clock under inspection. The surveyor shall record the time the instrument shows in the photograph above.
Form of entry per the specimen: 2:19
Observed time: 3:42
